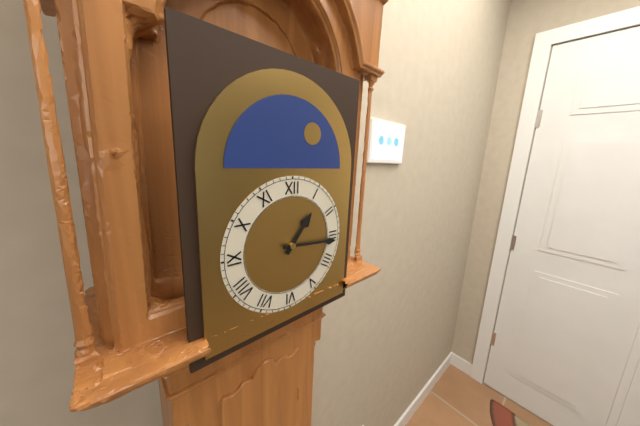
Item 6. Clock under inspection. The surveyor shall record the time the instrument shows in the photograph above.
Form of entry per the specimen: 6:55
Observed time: 1:16
